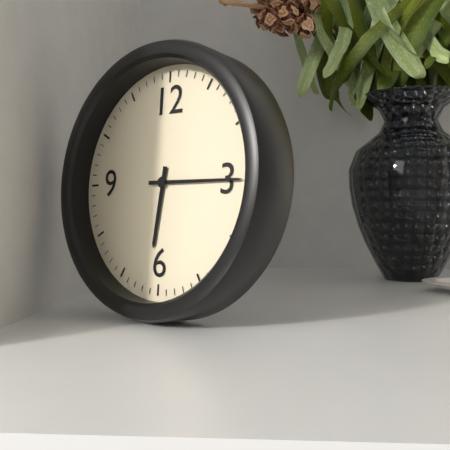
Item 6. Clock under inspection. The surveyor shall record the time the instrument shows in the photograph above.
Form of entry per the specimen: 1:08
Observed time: 6:15
